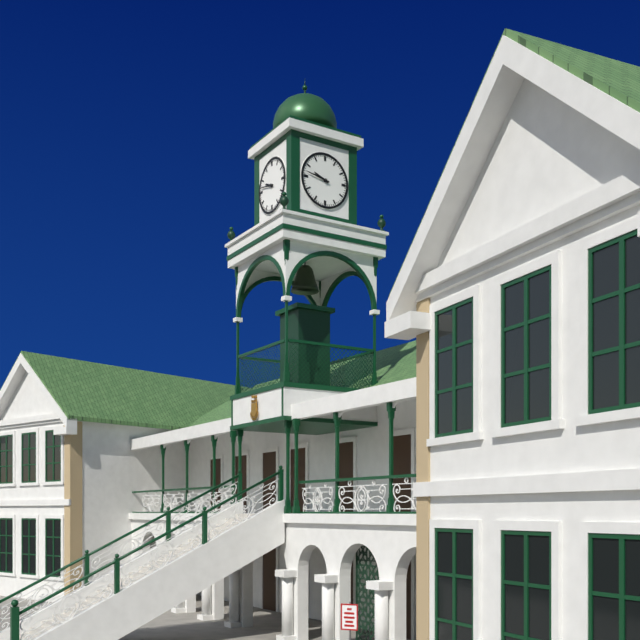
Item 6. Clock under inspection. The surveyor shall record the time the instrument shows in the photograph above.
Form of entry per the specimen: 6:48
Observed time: 9:47
